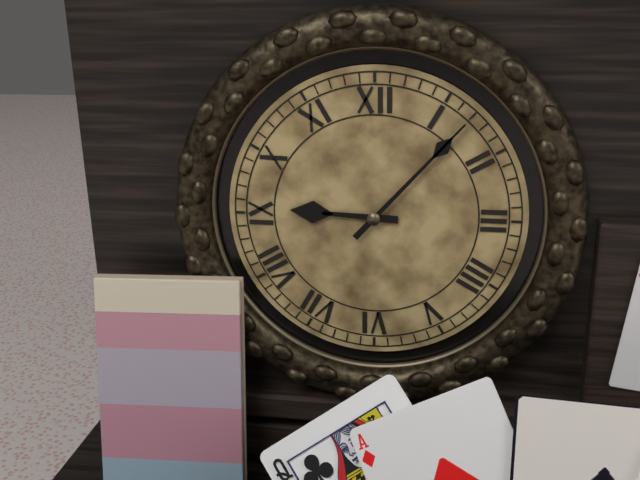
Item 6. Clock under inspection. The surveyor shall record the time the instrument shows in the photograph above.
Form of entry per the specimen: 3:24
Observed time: 9:07
